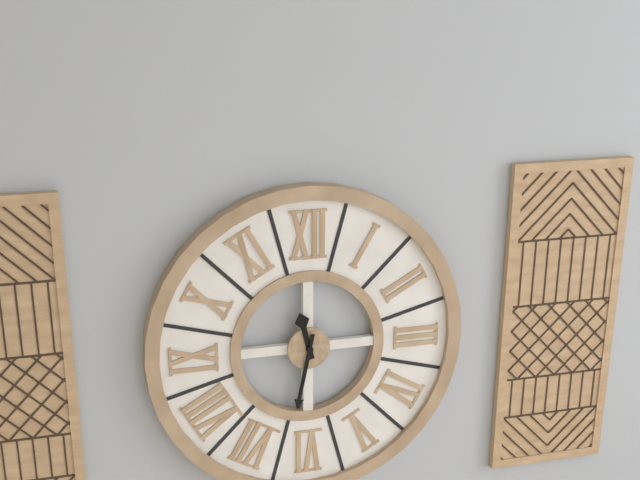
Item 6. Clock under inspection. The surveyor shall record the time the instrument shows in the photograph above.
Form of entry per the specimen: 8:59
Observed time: 11:32
